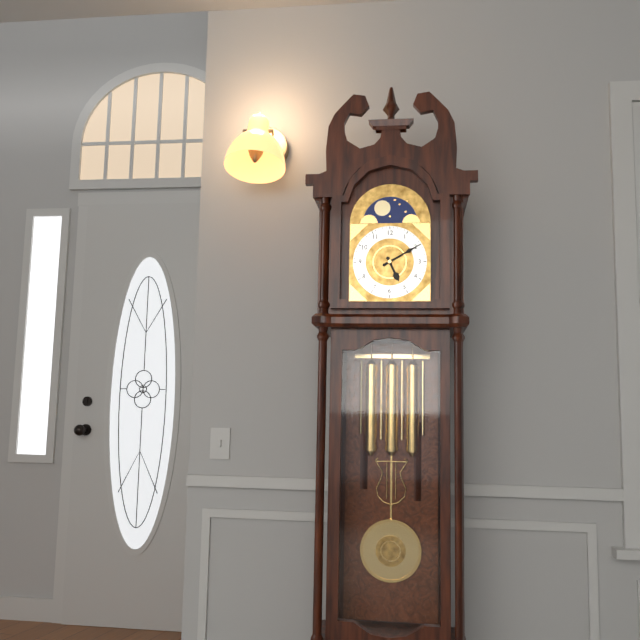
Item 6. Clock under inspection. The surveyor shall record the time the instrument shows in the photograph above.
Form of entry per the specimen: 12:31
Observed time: 5:10
